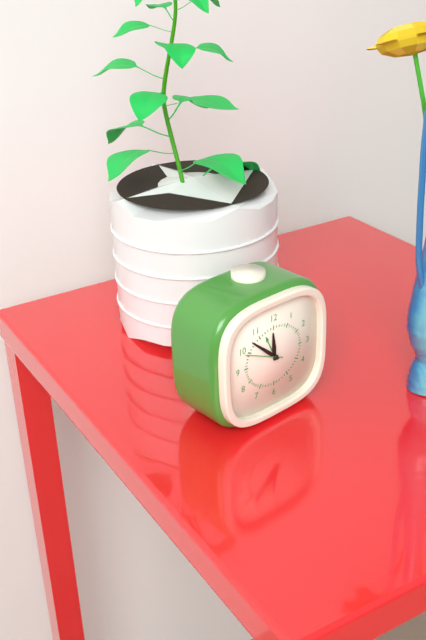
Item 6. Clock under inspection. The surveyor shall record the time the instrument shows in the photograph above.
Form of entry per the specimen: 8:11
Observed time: 11:52
